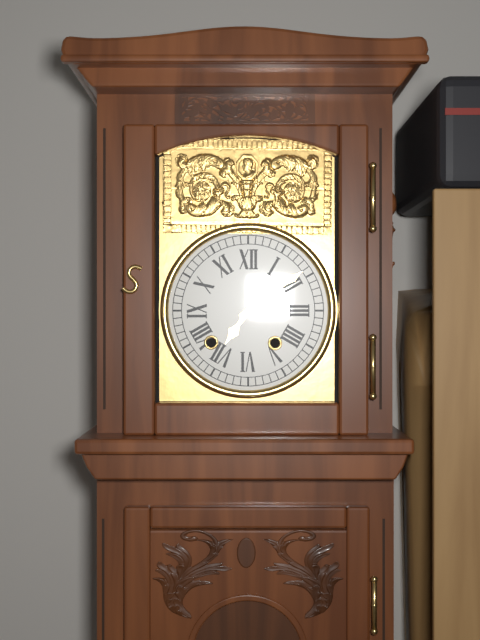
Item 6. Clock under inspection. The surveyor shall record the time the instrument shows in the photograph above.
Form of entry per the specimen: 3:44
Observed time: 7:09
